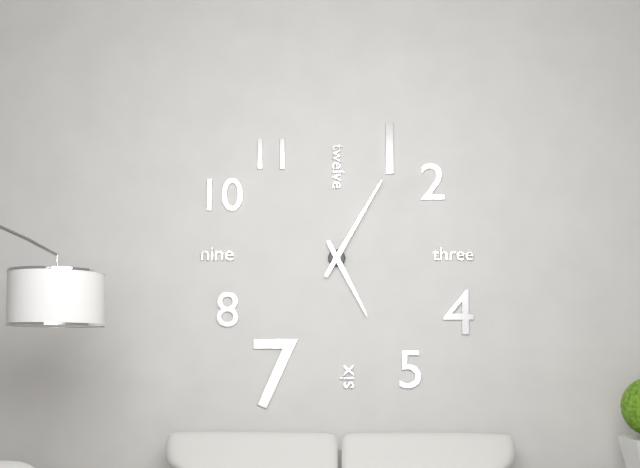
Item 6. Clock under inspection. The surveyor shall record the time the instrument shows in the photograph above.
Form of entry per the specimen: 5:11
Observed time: 5:05
